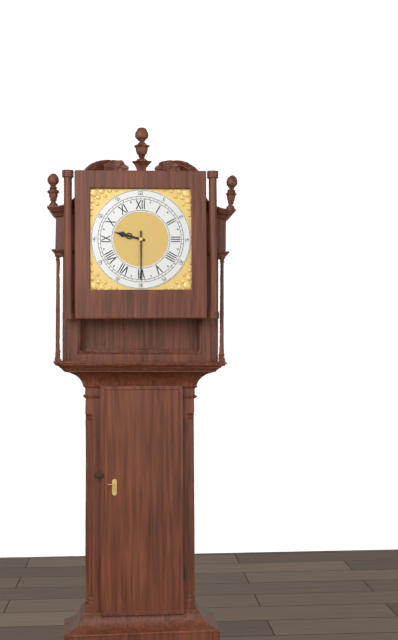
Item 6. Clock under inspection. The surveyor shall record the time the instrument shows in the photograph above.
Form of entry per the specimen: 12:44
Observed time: 9:30
